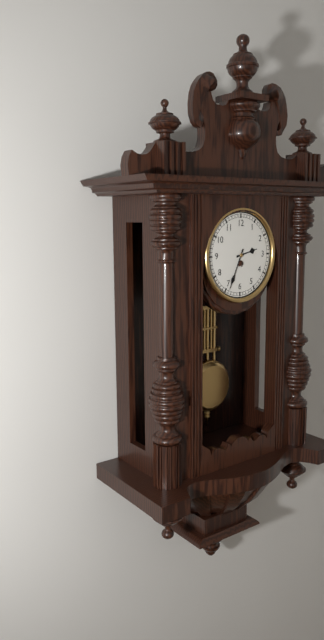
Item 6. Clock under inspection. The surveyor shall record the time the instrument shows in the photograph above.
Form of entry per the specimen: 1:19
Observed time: 2:34
